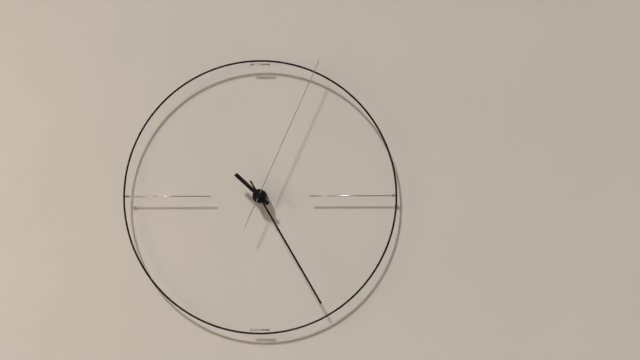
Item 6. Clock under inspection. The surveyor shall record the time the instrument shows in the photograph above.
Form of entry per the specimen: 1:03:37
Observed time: 10:25:04
